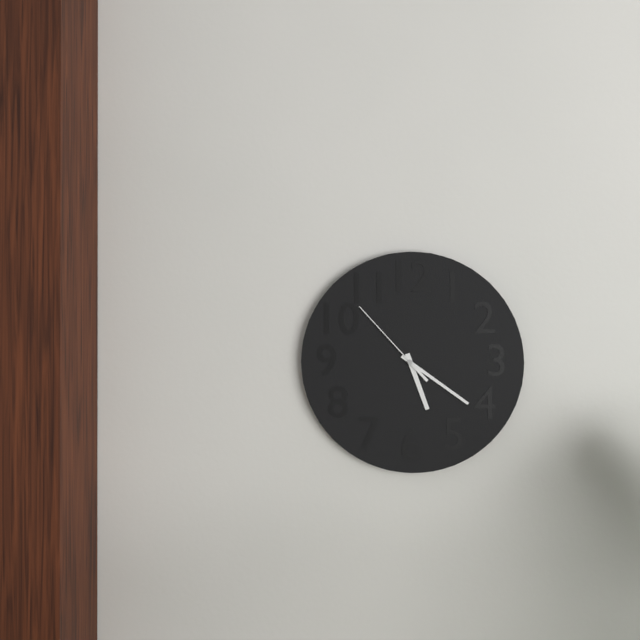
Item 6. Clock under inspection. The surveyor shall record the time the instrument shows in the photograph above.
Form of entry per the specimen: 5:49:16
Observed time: 5:21:53
